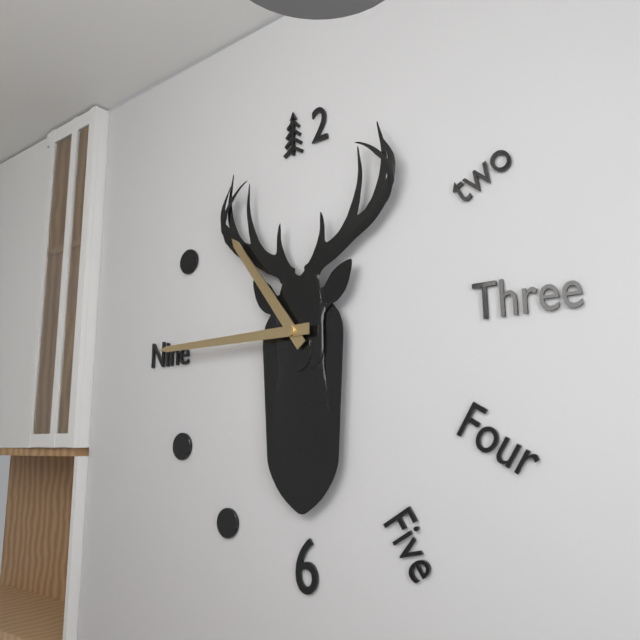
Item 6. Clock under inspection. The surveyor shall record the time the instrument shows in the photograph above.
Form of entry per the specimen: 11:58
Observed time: 10:45
